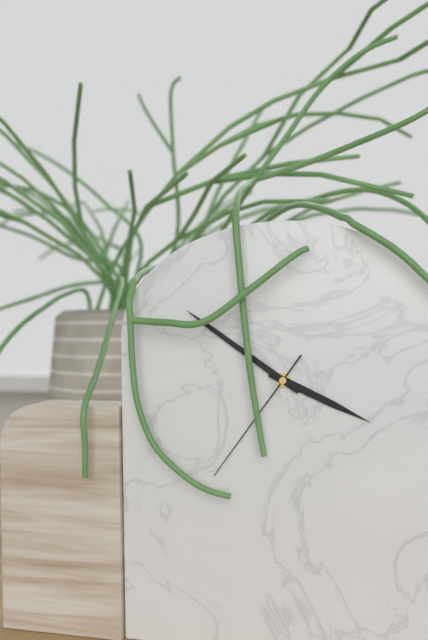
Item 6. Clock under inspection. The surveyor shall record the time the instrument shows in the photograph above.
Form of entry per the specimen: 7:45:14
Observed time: 3:51:36
